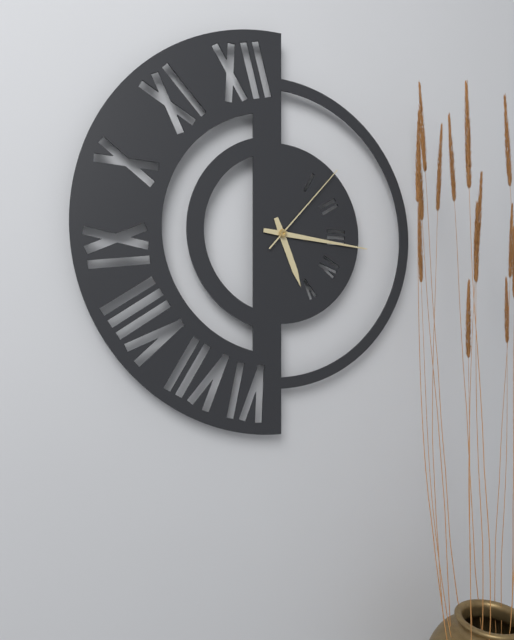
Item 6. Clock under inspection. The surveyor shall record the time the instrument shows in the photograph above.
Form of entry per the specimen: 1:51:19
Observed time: 5:16:07
